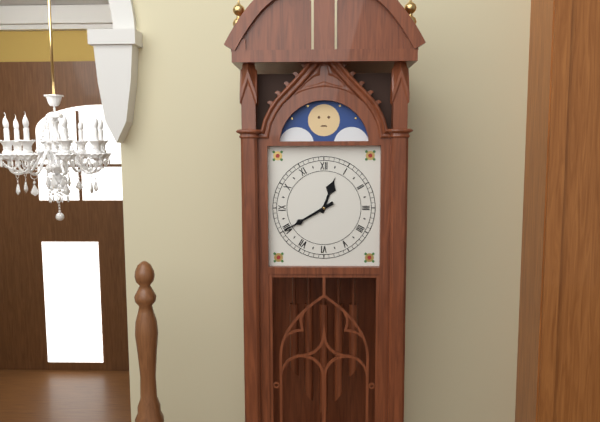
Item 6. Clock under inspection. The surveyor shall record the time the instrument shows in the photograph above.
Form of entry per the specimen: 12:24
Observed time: 12:40
